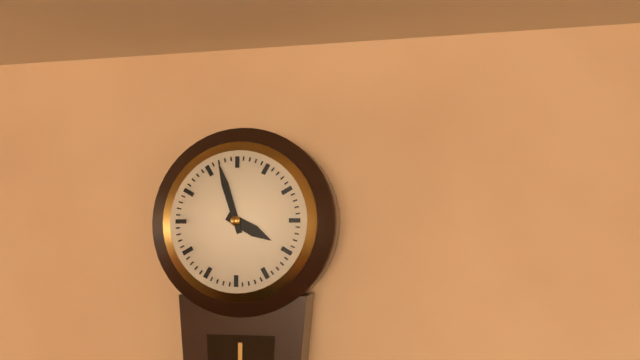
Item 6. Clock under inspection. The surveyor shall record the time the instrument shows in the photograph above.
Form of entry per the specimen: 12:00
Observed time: 3:57
